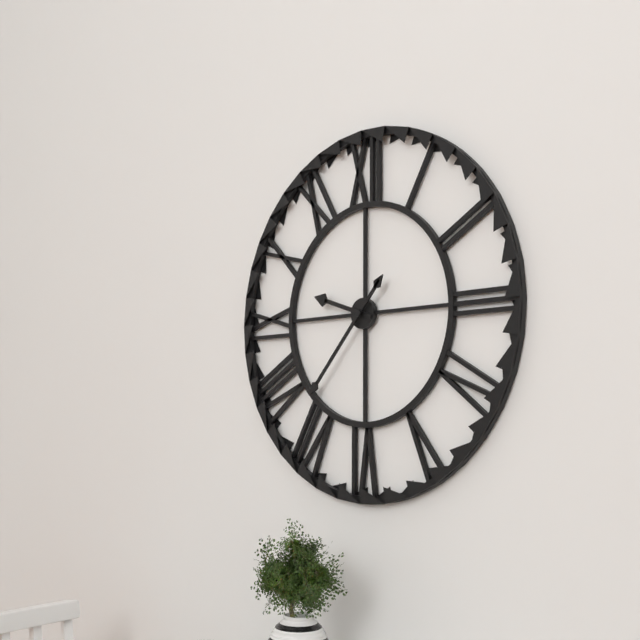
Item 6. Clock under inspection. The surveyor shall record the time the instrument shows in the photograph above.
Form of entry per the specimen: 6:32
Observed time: 9:37
